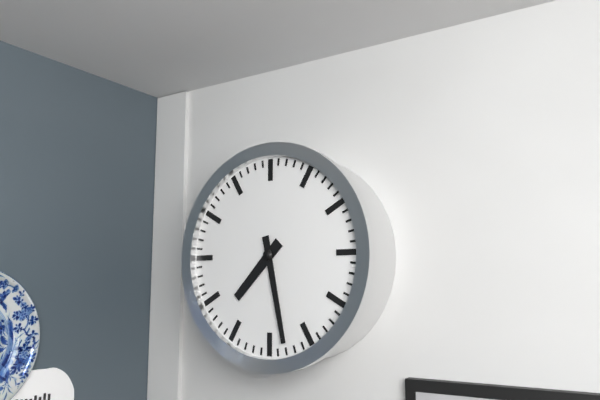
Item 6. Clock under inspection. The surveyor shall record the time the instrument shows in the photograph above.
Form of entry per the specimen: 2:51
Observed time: 7:28
